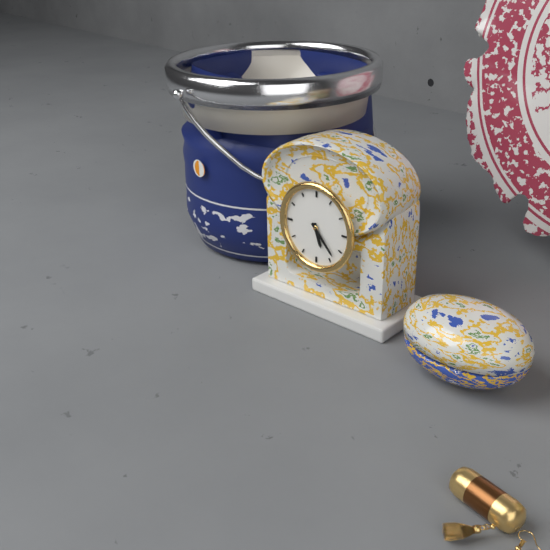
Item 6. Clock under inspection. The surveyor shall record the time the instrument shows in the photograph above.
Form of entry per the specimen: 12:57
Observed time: 5:23
